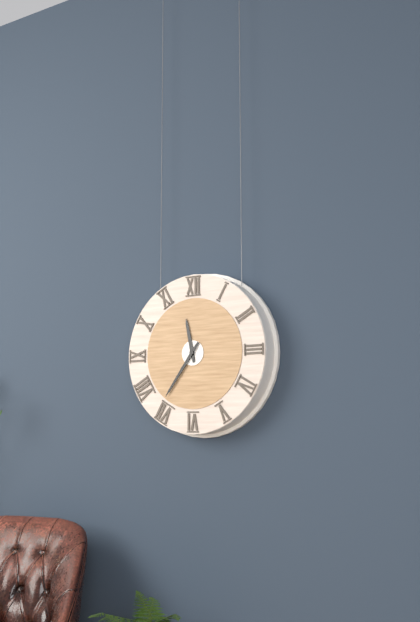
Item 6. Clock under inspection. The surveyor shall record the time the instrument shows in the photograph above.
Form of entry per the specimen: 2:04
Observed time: 11:36
